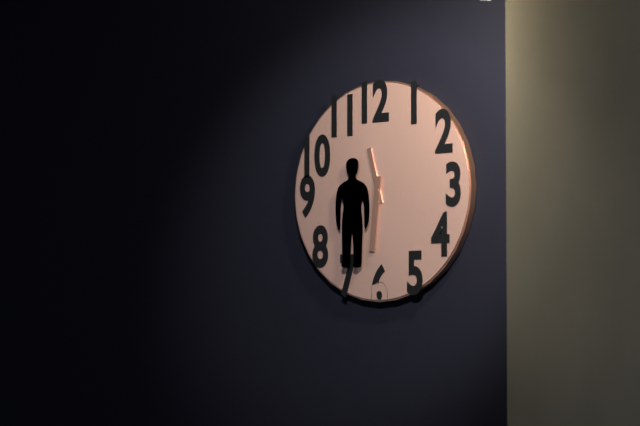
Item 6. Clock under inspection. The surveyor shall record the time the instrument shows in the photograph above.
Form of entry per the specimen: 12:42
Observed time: 11:31
